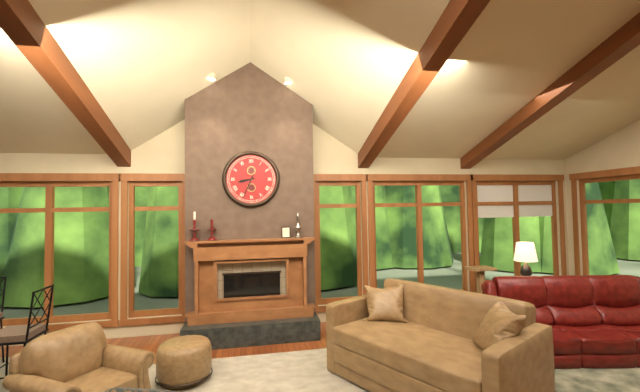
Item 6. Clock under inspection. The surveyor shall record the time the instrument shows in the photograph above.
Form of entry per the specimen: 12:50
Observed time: 8:34
